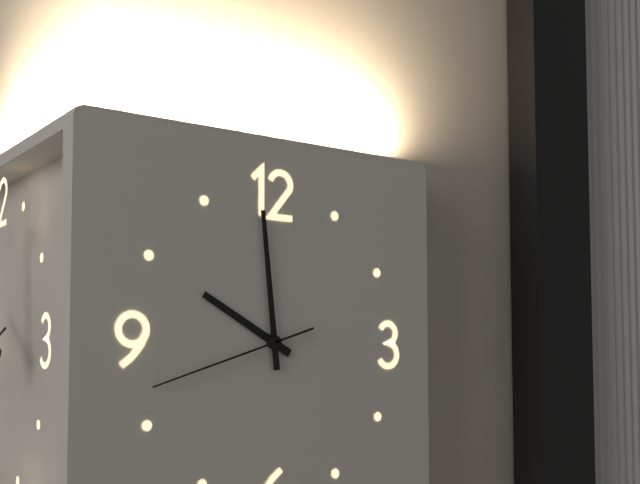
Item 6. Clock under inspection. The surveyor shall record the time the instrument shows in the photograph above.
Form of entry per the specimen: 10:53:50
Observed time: 9:59:42
